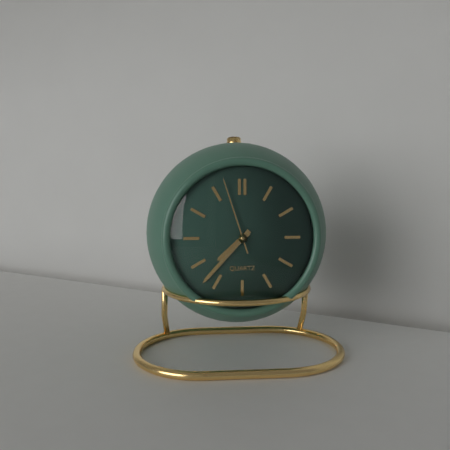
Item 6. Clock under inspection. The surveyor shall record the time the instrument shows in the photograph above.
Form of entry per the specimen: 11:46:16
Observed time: 7:37:57
